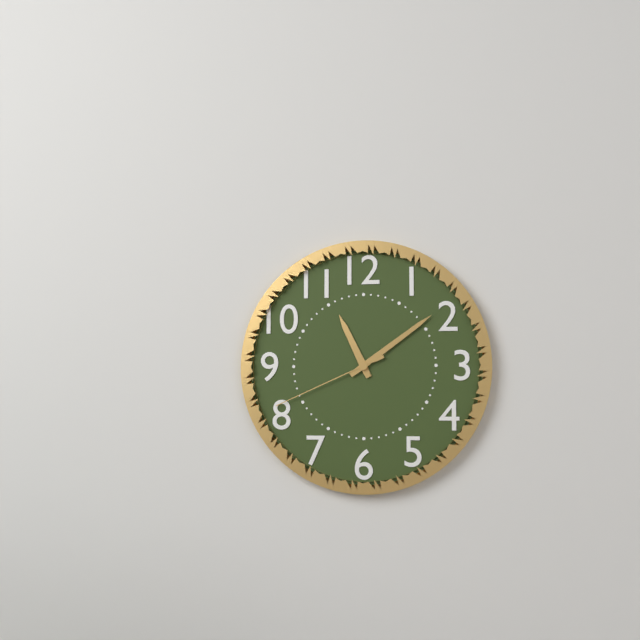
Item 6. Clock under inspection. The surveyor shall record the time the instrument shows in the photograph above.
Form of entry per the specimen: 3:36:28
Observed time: 11:09:41
